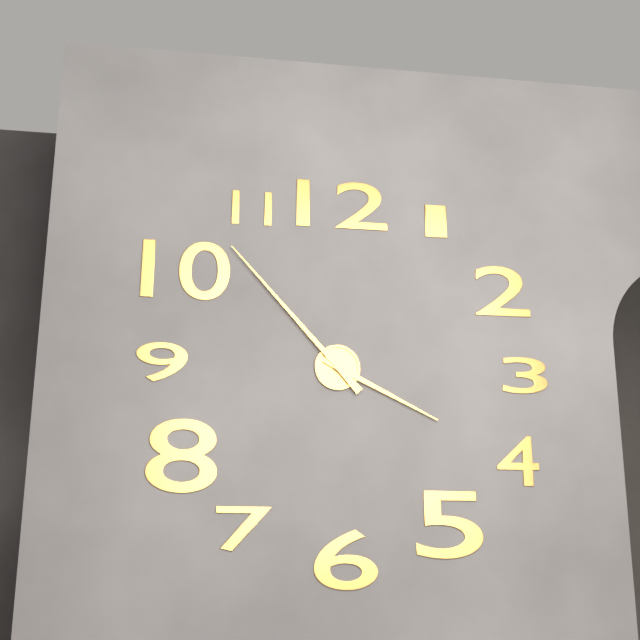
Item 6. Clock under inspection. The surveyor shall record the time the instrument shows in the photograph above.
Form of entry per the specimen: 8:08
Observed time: 3:53
